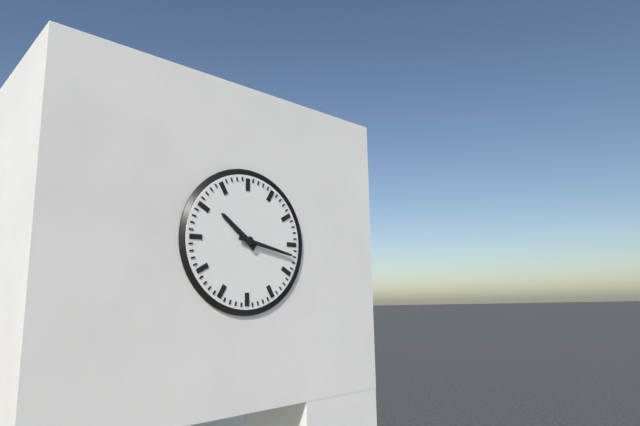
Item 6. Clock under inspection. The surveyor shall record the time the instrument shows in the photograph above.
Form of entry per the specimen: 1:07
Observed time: 10:17
